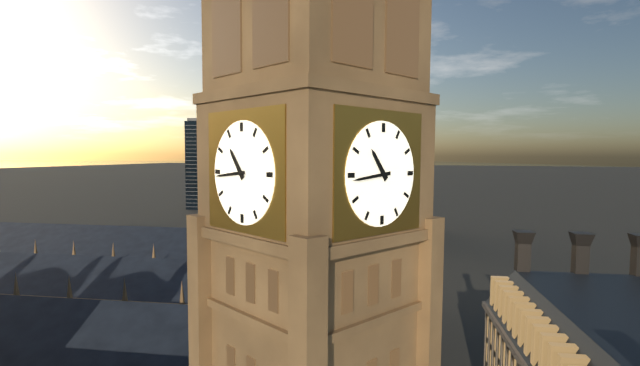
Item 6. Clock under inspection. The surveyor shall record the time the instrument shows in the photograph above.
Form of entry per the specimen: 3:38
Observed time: 10:44
